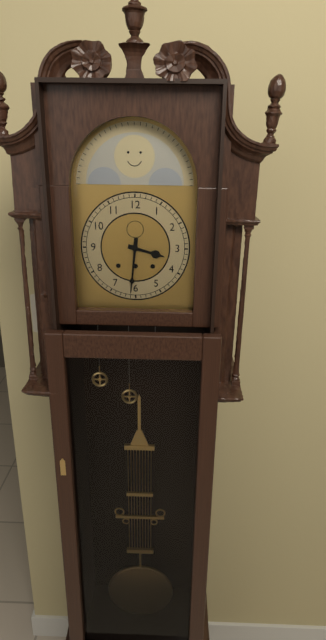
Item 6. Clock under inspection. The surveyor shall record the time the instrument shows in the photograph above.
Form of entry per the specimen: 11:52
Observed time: 3:31
